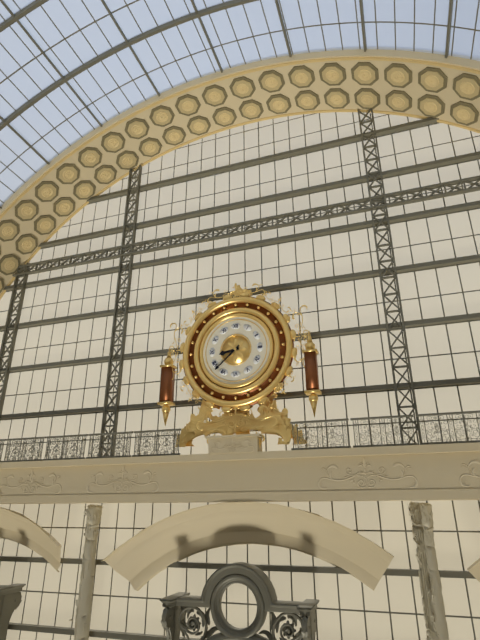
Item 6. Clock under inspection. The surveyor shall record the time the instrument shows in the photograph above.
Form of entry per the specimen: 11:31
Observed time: 8:38
